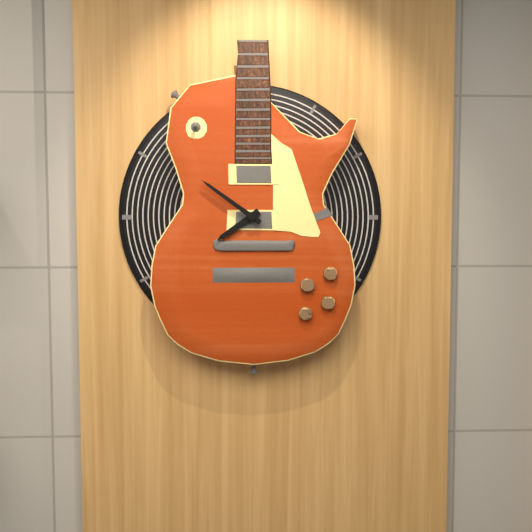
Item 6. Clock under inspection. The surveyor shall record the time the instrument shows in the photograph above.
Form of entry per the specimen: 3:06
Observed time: 7:51
